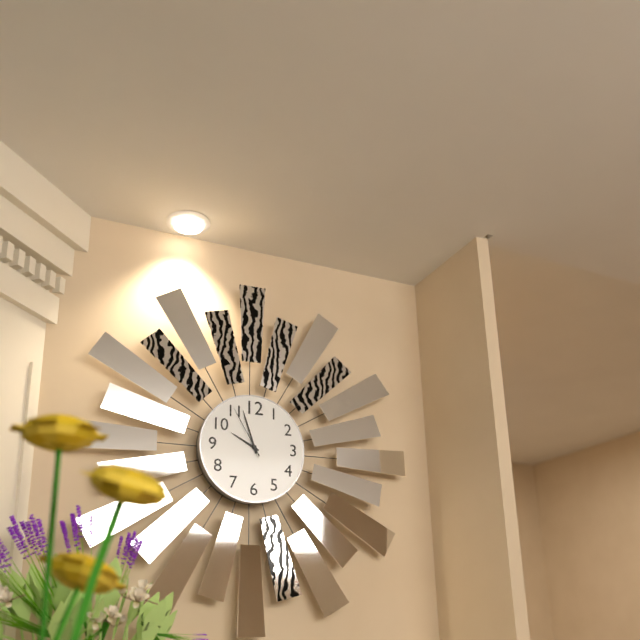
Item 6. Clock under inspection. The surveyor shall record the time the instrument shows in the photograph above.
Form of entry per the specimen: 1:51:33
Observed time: 9:57:55
